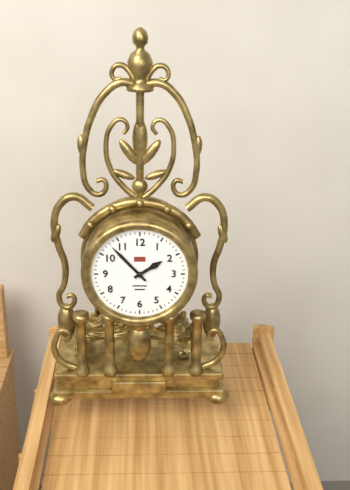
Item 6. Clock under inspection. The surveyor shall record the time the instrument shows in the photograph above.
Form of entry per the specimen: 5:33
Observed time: 1:53
